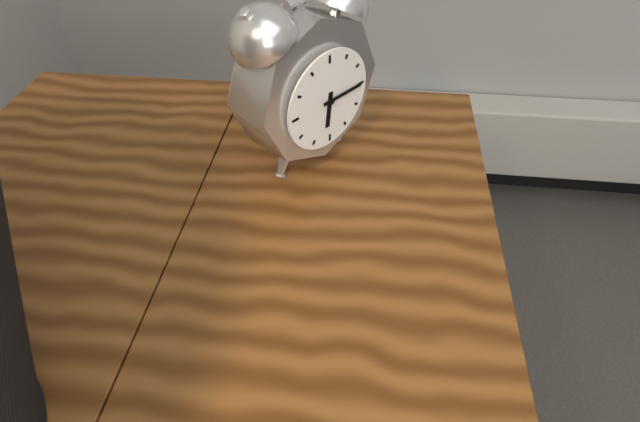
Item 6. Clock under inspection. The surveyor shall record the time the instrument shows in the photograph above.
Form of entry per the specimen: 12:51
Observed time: 6:15
